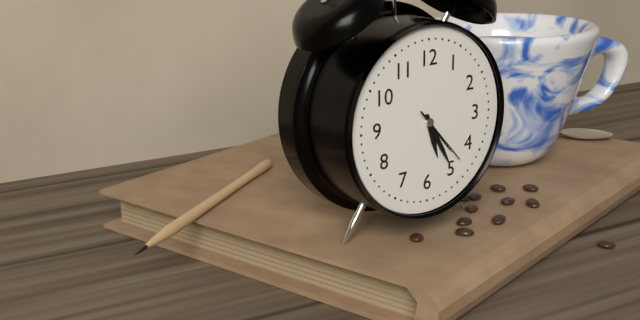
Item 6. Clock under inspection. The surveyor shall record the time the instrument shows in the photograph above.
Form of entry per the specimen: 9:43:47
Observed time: 5:25:23
